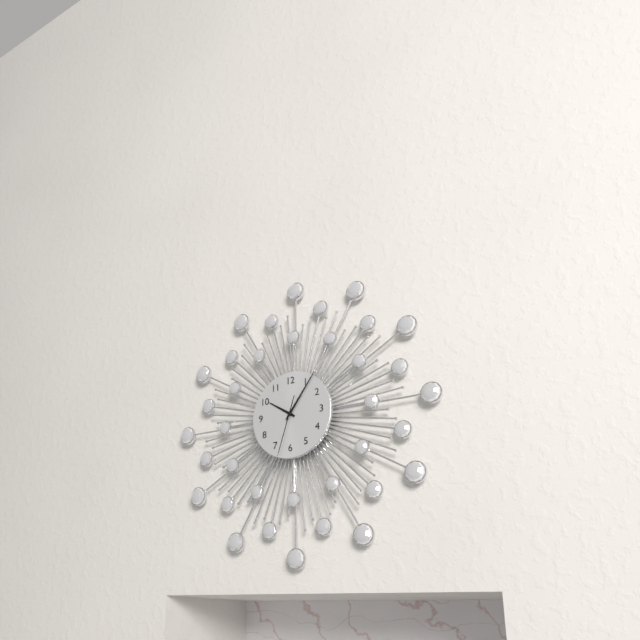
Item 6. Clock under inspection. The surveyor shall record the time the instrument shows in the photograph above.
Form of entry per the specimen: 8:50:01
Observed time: 10:06:33
